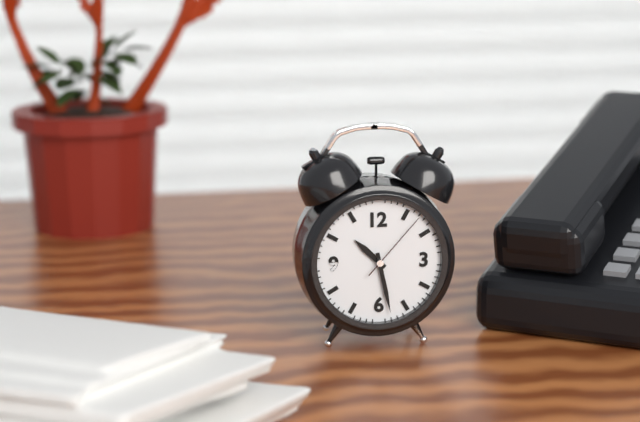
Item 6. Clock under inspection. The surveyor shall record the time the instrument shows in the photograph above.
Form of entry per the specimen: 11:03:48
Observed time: 10:28:07
